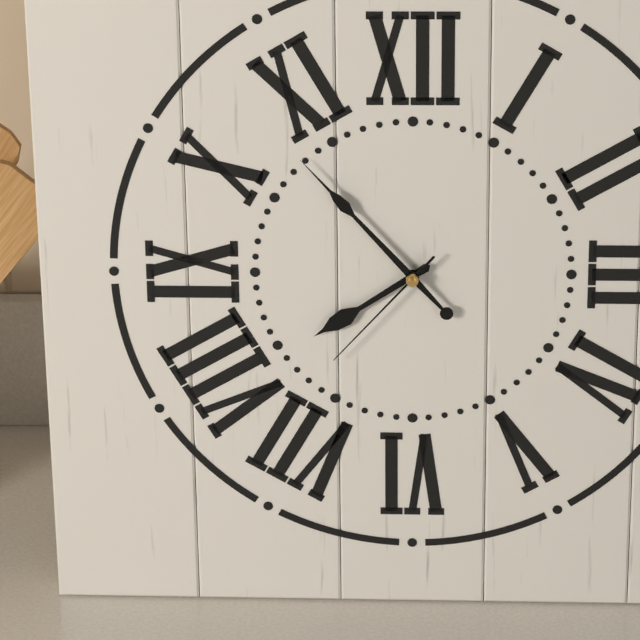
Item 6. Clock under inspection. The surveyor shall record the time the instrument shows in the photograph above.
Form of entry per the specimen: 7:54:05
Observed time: 7:53:37
